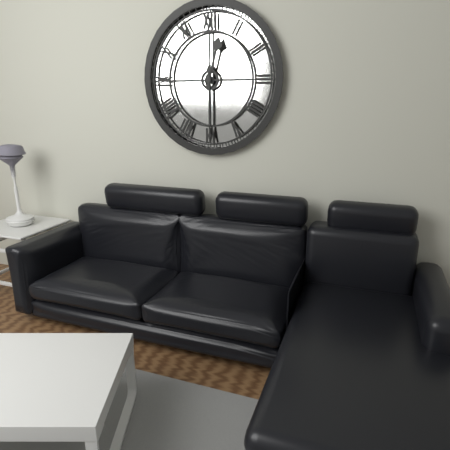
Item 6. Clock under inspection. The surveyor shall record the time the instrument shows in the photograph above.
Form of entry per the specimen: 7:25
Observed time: 12:30
